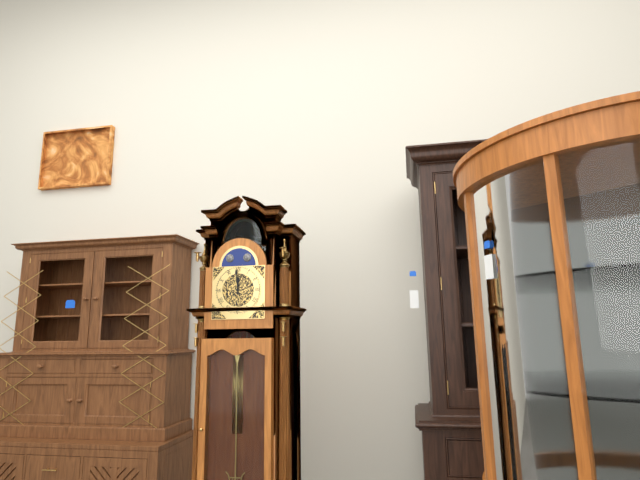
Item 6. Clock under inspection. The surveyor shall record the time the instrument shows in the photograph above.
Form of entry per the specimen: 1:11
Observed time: 11:59
